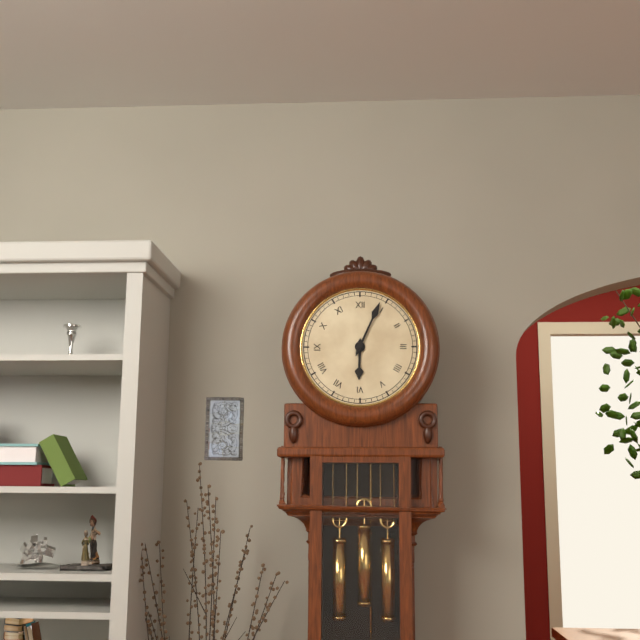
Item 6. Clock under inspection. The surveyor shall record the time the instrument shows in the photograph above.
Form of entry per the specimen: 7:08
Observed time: 6:04
